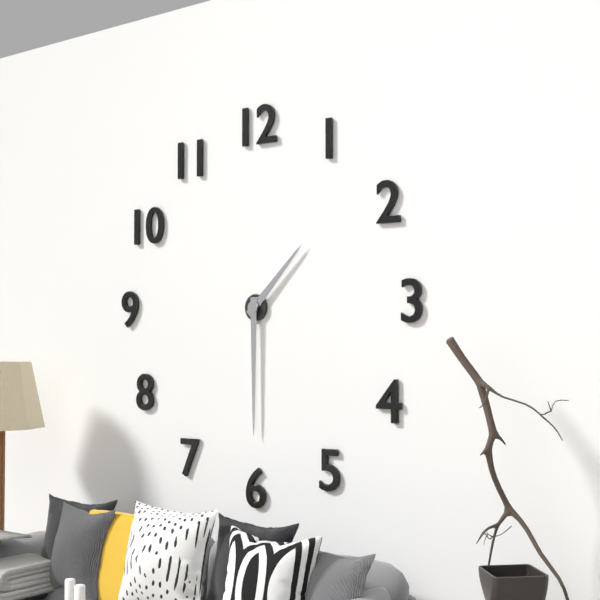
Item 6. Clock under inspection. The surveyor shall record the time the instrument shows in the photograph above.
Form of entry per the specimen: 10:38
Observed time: 1:30
